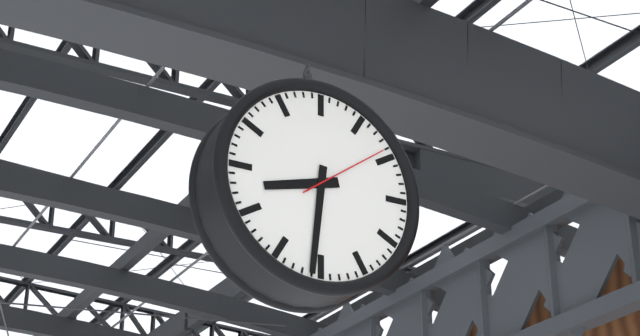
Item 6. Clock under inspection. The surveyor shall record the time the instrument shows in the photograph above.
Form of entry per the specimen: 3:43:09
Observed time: 8:31:09
